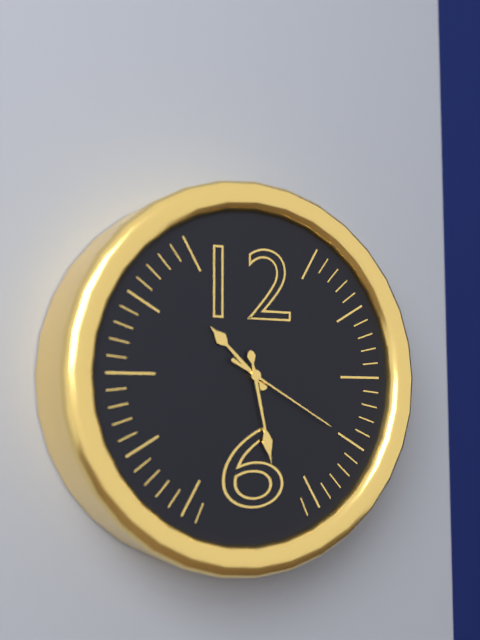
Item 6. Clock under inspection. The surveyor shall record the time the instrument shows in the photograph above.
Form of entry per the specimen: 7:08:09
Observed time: 10:28:20
